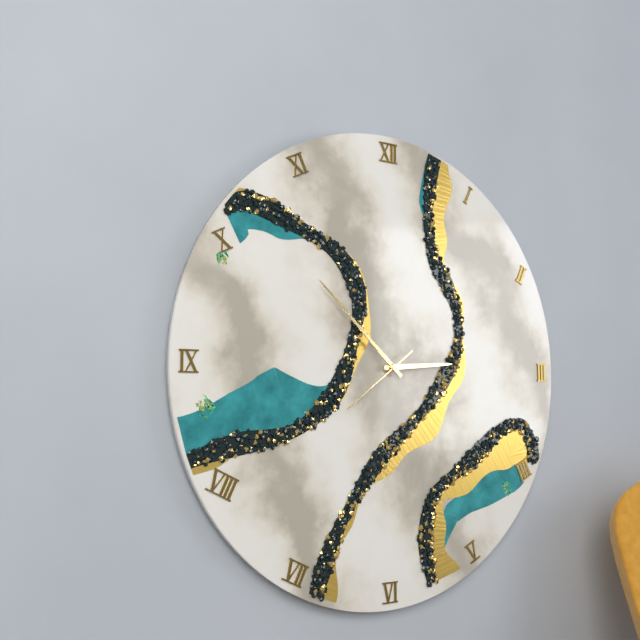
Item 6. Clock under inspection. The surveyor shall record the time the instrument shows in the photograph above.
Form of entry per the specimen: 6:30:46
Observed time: 2:52:39
